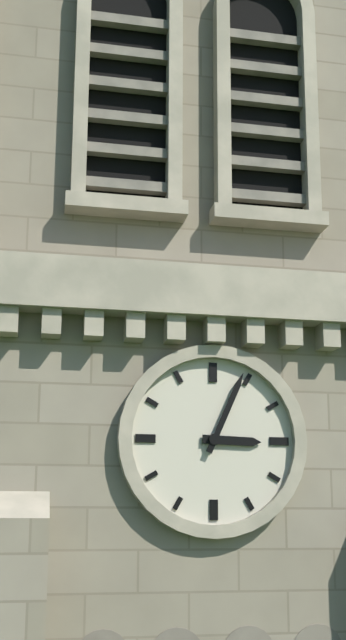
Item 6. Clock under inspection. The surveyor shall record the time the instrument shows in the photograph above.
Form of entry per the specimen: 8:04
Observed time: 3:04
